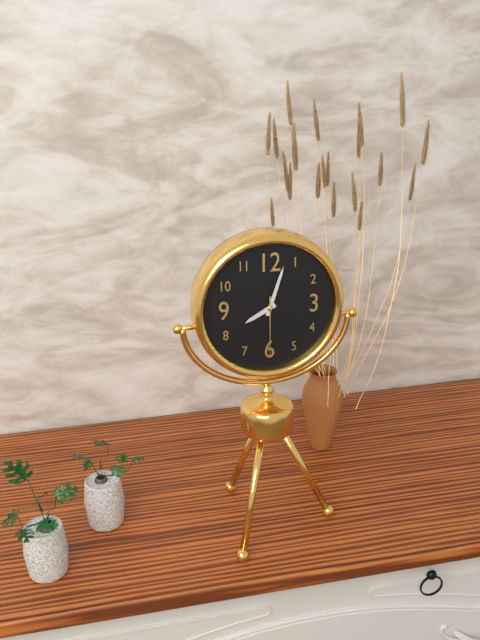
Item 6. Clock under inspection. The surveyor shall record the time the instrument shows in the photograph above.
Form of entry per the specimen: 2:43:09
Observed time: 8:03:30
